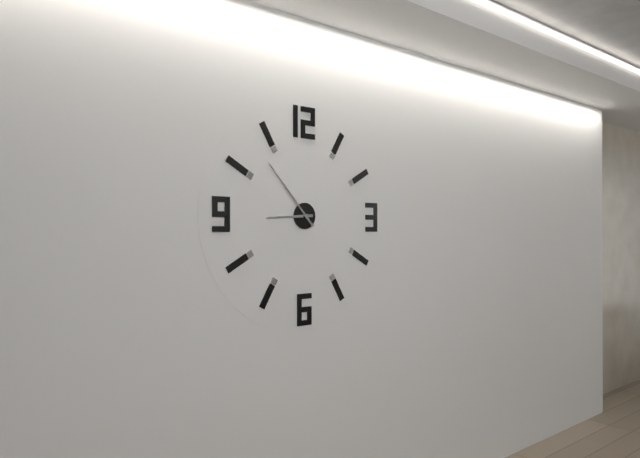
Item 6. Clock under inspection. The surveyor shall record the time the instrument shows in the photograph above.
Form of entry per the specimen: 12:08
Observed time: 8:53
